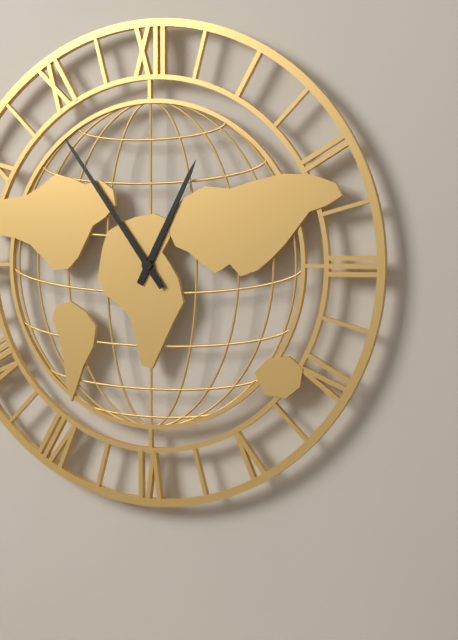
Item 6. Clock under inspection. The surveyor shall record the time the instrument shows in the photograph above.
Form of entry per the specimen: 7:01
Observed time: 12:54
